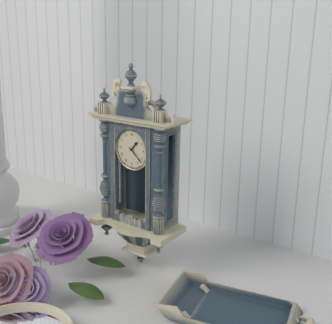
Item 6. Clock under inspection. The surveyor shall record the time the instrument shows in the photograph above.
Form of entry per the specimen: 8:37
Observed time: 1:22
